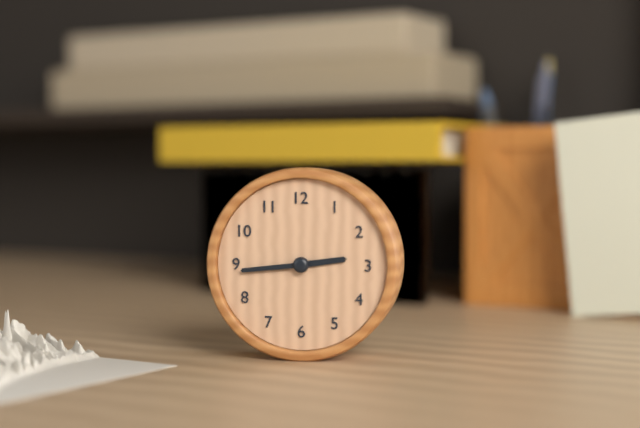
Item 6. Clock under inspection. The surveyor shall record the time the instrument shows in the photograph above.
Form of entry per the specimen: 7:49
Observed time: 2:44
